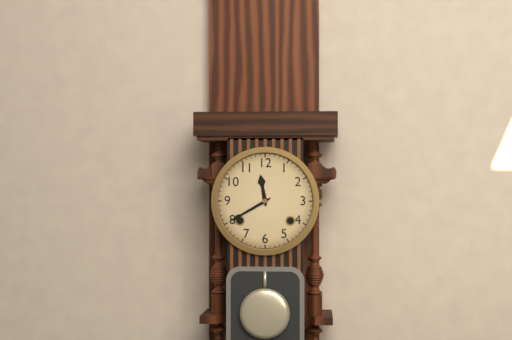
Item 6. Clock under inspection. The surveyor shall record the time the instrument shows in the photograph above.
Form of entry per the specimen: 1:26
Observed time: 11:40
